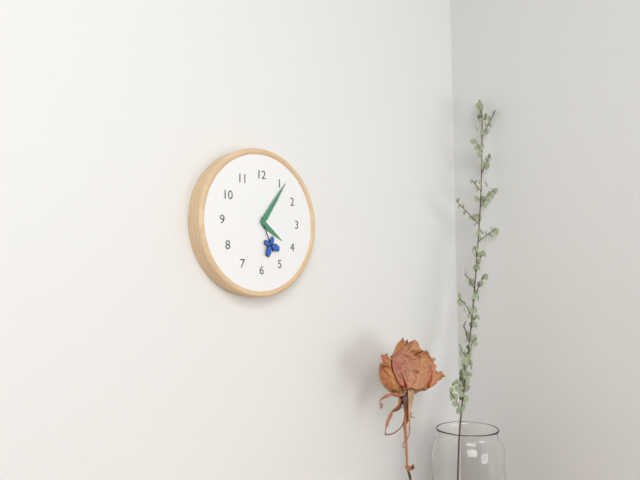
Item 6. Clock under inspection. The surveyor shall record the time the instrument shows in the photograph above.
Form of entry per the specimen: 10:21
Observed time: 4:06
